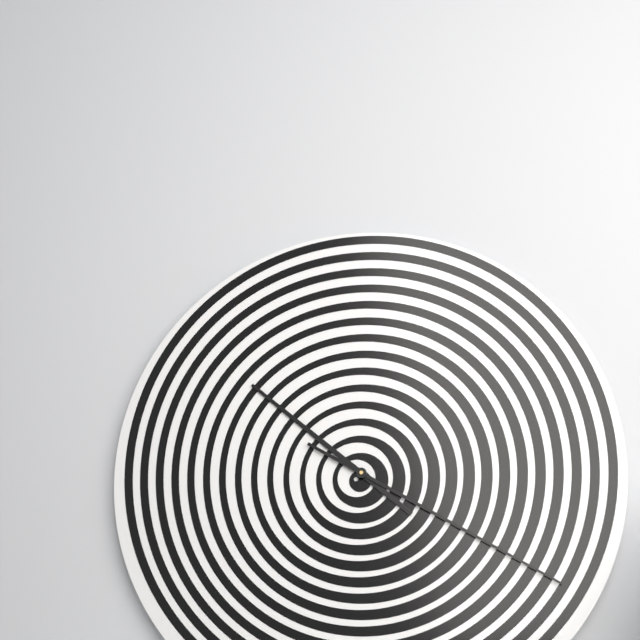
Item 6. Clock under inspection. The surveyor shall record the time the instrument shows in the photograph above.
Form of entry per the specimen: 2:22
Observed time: 10:20
